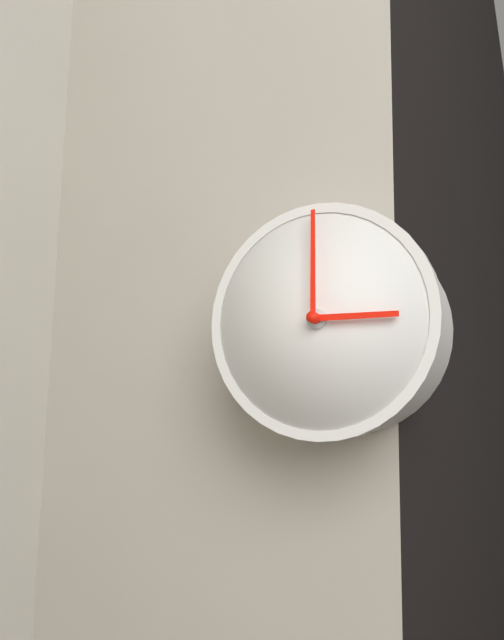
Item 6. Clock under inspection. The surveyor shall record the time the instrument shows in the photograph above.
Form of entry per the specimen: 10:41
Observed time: 3:00
